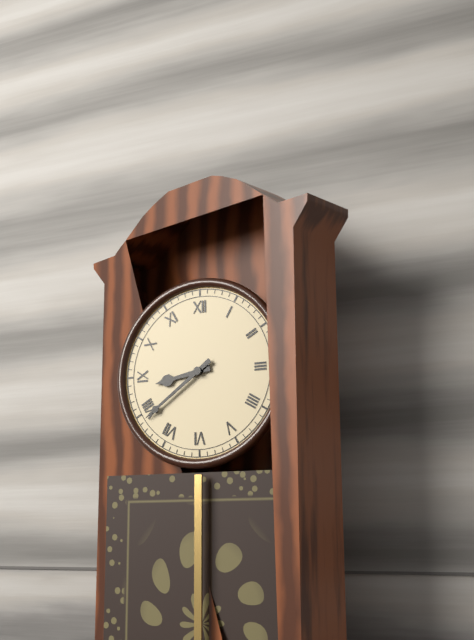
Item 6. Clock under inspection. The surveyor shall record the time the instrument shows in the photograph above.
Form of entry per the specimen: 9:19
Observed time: 8:39
